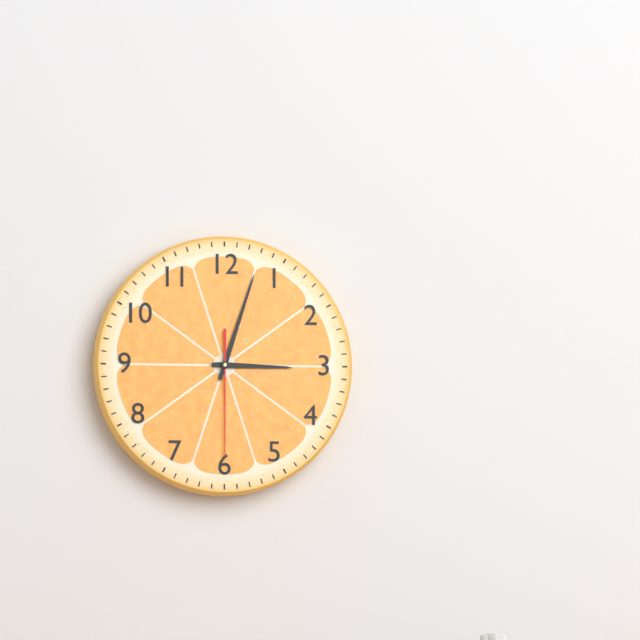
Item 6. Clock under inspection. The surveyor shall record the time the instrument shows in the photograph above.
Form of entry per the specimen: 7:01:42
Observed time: 3:03:30
